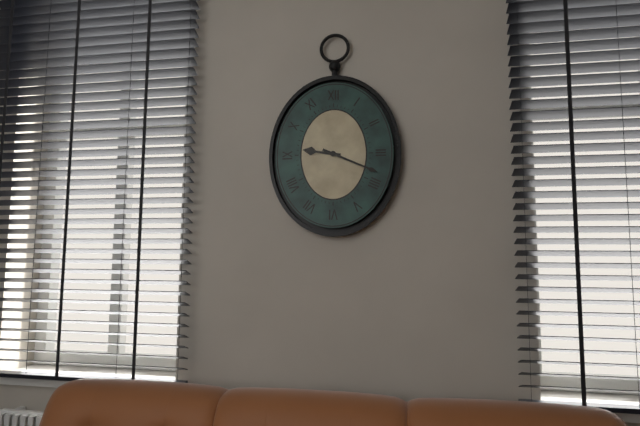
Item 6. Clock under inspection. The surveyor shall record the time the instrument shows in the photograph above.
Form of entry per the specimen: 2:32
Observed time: 9:19
